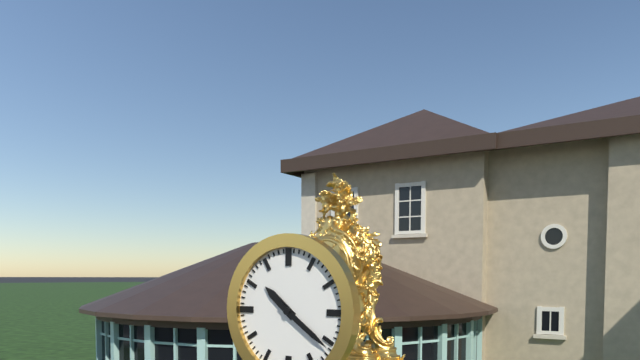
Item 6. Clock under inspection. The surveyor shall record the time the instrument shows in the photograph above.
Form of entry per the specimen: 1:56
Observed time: 10:21
